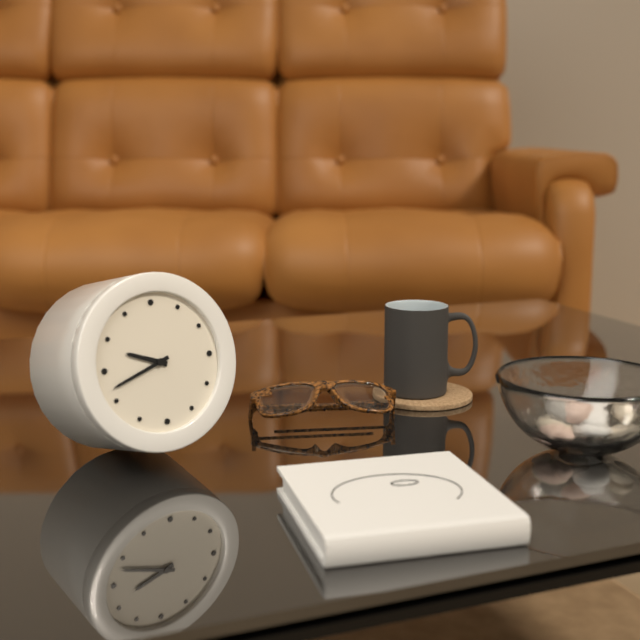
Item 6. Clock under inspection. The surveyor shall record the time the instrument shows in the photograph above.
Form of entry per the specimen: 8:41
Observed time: 9:42
